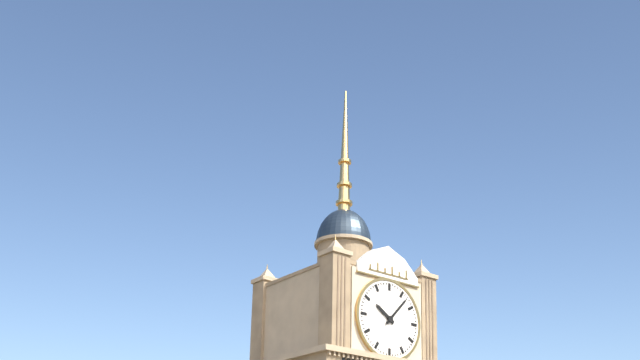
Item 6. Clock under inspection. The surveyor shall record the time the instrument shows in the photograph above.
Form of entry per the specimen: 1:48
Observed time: 10:07
